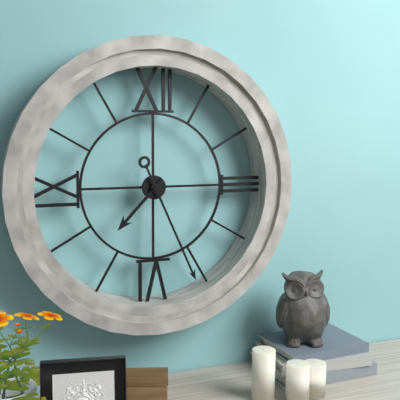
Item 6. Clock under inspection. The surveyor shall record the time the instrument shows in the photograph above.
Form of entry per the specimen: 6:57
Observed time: 7:26
